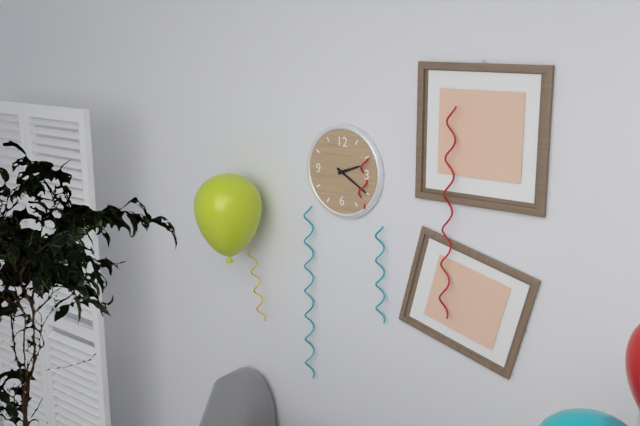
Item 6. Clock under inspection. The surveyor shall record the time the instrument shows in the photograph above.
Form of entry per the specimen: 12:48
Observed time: 2:20
